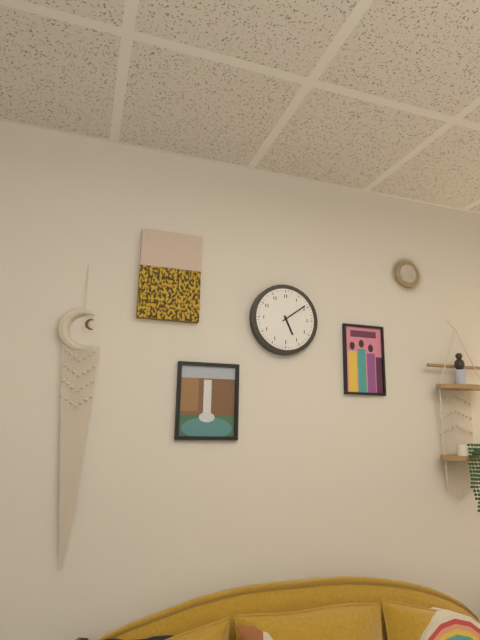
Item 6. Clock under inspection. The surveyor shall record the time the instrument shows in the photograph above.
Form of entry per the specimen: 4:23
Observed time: 5:09
